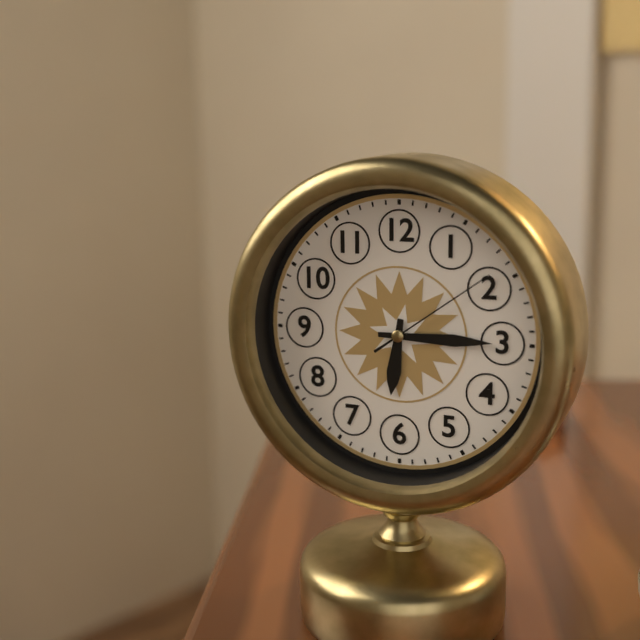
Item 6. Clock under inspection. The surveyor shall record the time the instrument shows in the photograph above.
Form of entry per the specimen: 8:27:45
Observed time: 6:15:09
